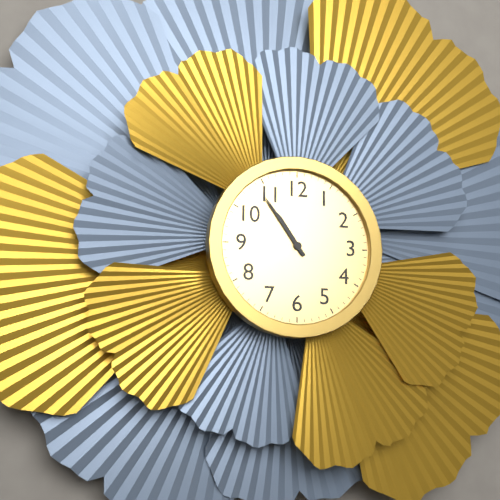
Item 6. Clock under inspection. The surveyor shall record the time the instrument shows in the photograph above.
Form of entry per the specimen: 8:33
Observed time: 10:54
